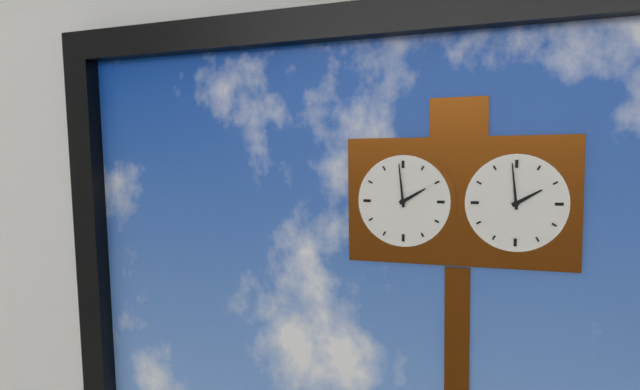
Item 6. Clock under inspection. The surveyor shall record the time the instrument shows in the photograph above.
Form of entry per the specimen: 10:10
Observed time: 1:59
